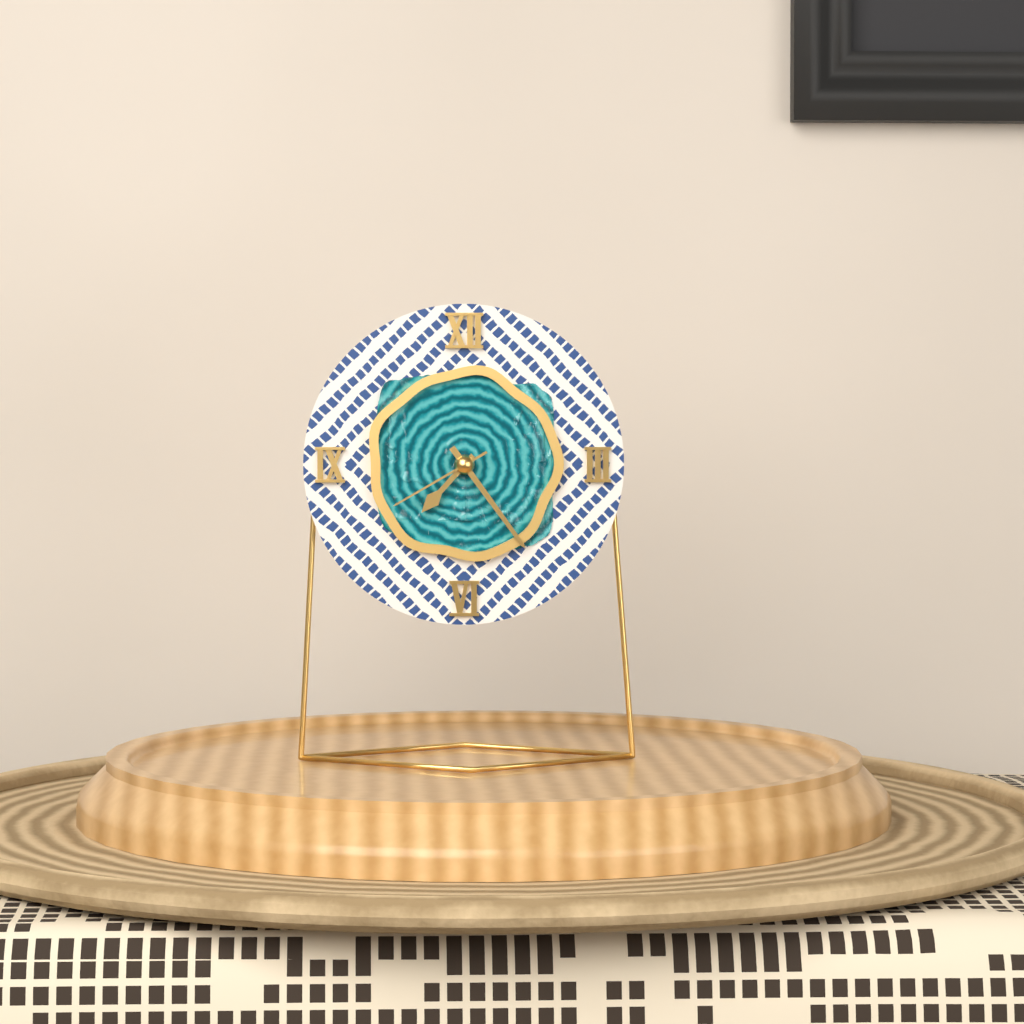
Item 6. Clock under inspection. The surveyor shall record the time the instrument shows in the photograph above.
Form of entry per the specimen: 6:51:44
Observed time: 7:24:40
